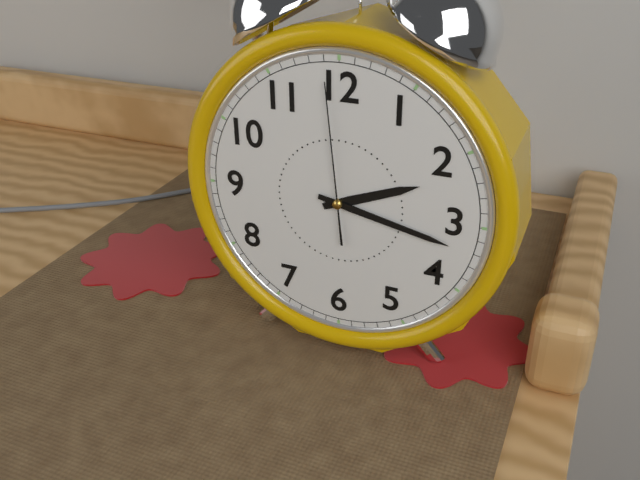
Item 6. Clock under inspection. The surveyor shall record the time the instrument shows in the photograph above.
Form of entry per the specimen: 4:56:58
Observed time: 2:17:59
